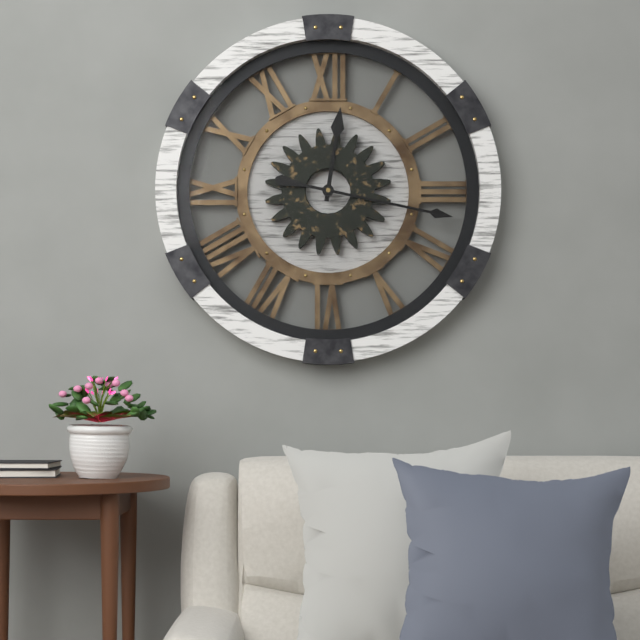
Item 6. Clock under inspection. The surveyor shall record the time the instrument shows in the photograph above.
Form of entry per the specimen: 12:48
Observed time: 12:17
